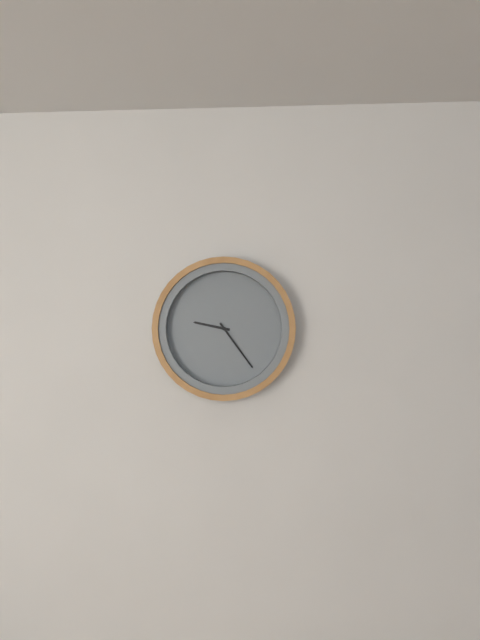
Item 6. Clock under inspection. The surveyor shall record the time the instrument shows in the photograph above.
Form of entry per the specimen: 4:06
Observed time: 9:24
